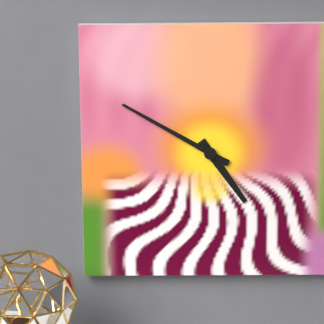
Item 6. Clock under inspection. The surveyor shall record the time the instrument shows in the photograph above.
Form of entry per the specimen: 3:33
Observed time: 4:50
